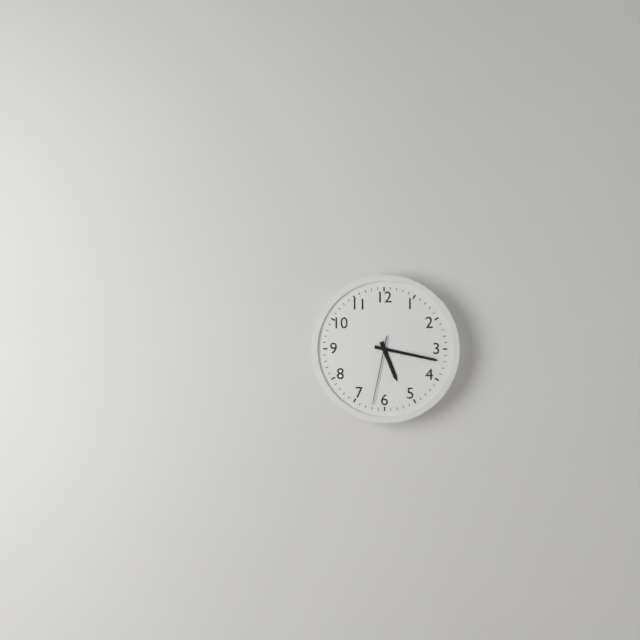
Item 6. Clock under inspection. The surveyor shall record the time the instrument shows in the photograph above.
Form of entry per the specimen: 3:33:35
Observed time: 5:17:32
